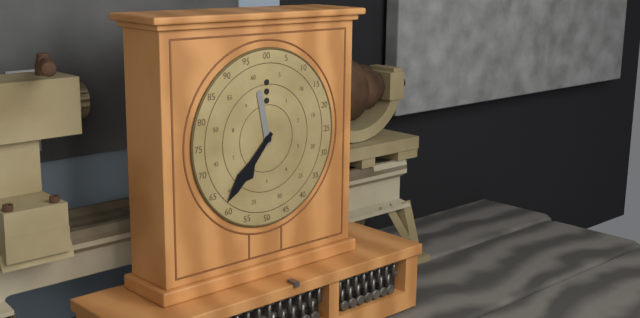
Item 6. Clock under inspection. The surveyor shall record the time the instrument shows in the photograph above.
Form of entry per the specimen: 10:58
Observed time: 11:37
